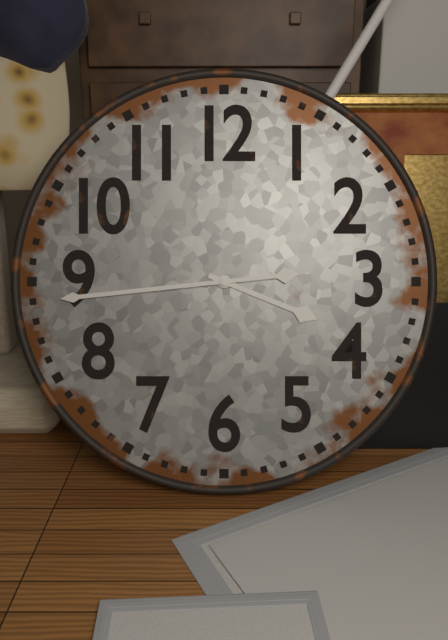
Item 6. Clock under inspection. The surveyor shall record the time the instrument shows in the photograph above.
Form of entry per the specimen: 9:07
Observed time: 3:44
